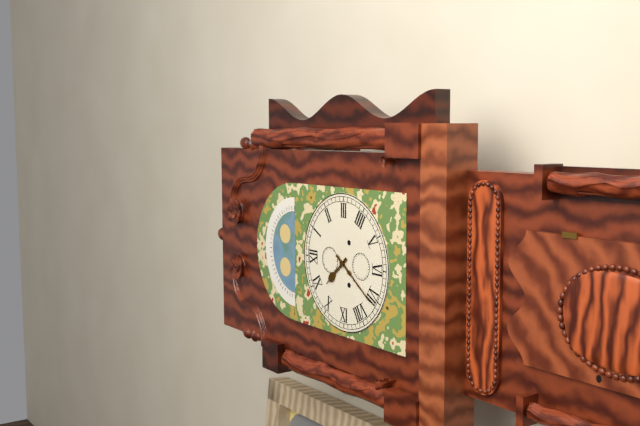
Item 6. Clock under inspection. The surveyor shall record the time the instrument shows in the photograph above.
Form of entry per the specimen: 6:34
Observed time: 10:36
